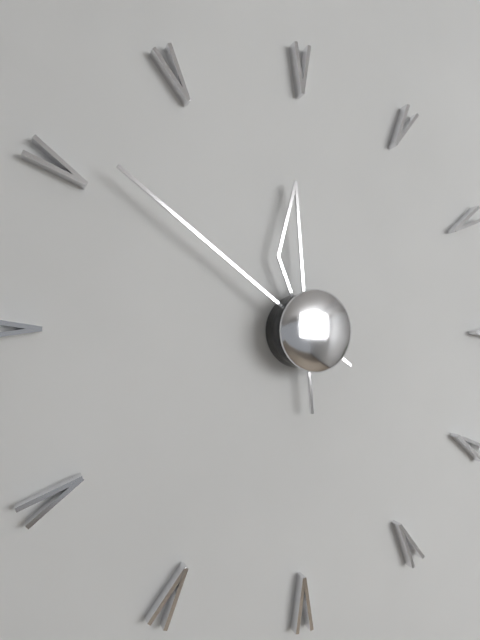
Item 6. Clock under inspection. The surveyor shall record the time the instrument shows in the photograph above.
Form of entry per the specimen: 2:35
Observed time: 11:51
